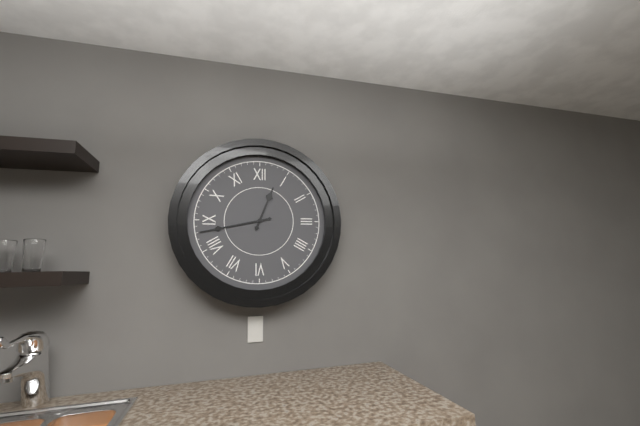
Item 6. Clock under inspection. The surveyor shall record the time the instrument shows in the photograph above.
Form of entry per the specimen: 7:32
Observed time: 12:43
